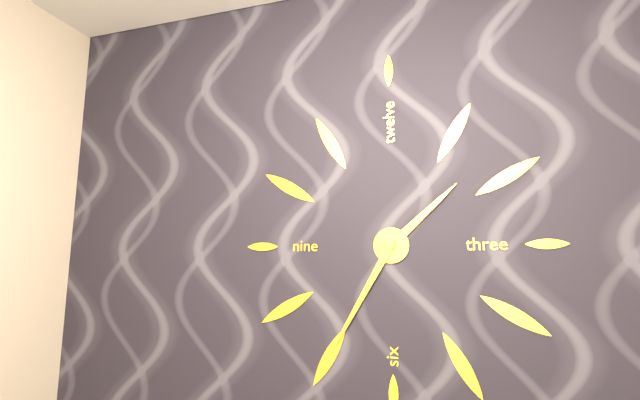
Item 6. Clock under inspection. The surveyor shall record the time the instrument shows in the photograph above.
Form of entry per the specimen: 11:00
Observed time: 1:35
